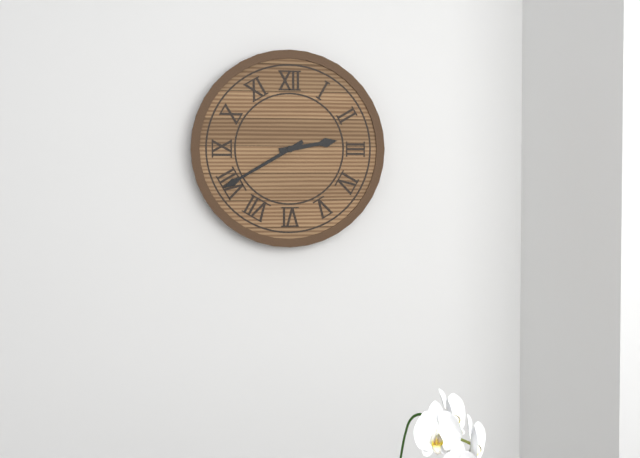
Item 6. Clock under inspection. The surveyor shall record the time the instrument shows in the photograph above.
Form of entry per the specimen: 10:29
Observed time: 2:40
